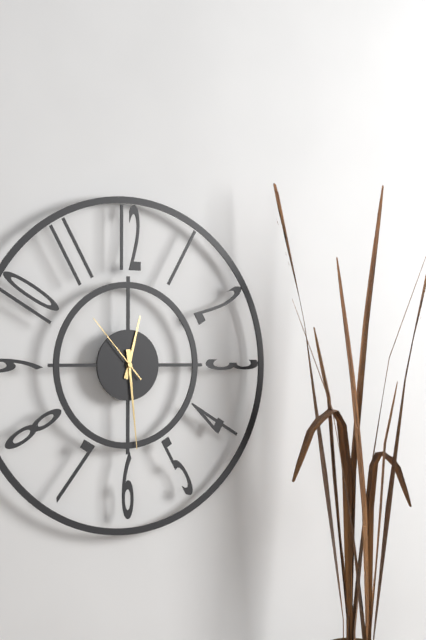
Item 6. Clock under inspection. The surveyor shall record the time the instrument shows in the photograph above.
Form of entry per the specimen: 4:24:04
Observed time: 12:29:53
